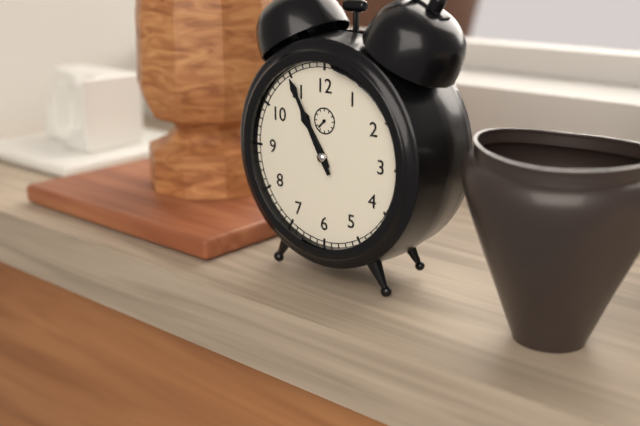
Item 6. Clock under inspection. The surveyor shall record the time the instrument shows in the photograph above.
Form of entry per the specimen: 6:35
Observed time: 10:55
